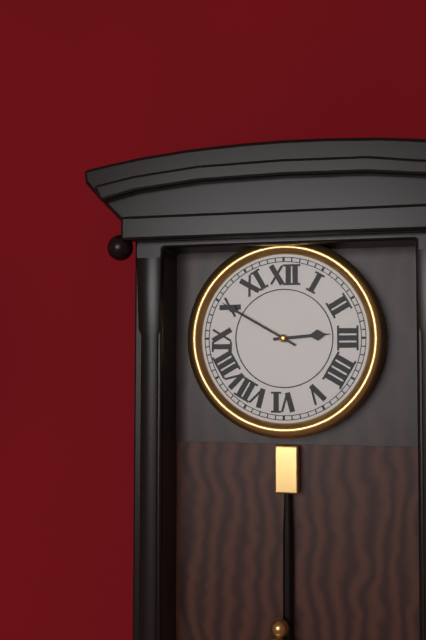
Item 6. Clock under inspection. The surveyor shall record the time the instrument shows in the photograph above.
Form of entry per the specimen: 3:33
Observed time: 2:50
